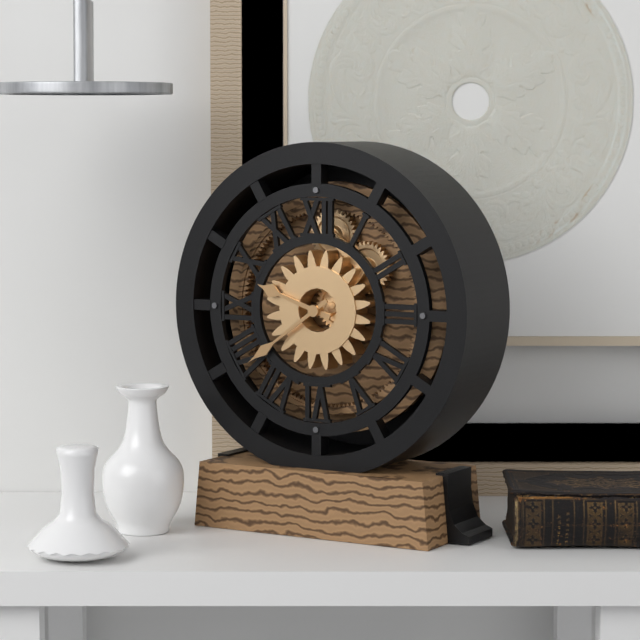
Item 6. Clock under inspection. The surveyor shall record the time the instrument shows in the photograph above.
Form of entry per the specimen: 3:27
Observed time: 9:39
